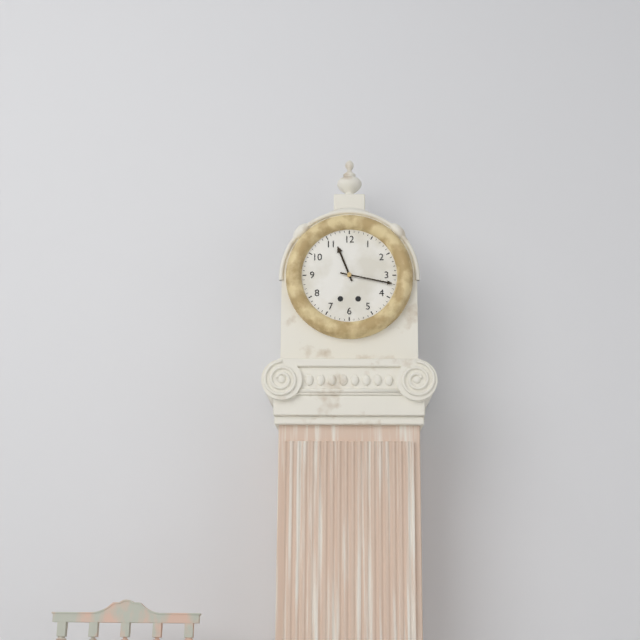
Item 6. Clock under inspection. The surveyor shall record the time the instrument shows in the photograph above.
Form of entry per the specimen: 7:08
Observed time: 11:17
